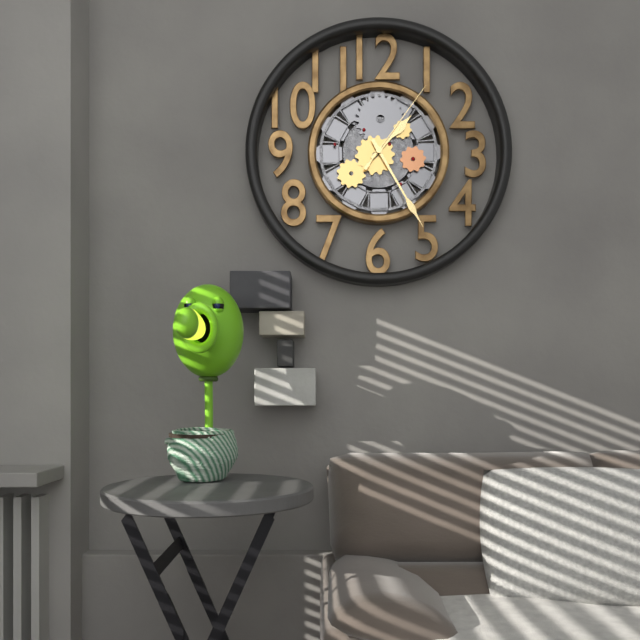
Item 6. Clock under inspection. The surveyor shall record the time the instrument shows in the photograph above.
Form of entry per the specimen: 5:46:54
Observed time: 1:25:06
